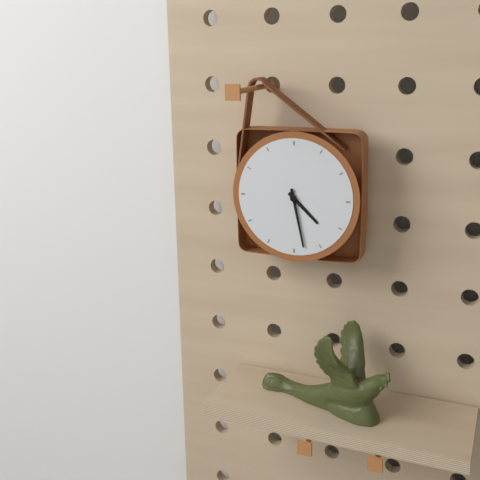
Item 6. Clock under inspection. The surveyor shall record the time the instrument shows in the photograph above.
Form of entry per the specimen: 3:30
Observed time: 4:28
